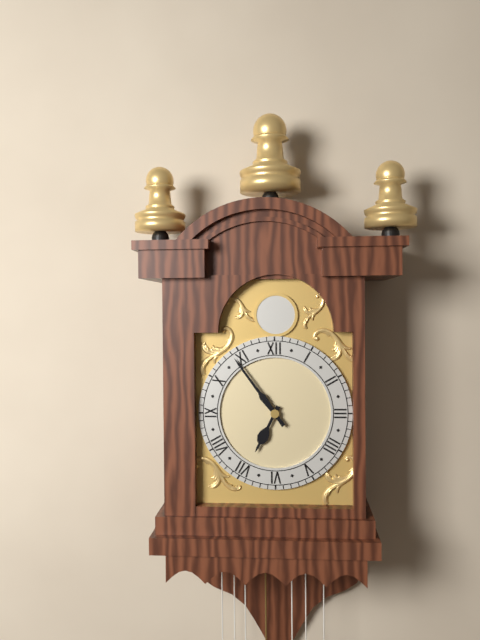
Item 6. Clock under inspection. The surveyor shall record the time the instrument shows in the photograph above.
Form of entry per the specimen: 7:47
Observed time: 6:54
